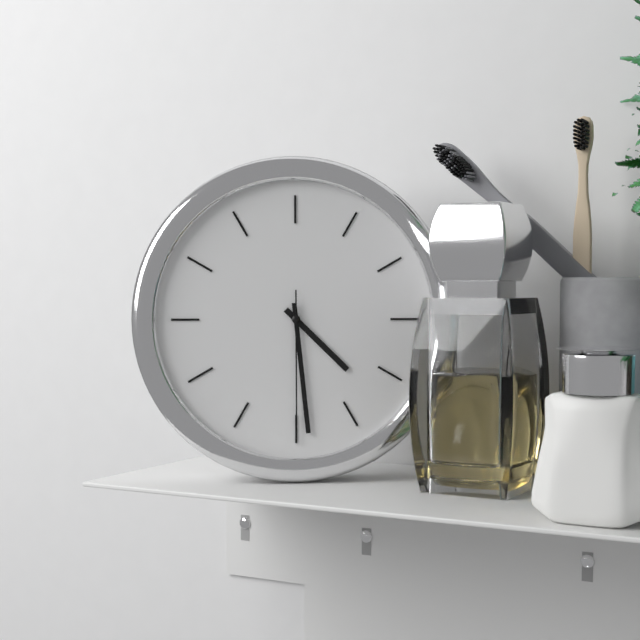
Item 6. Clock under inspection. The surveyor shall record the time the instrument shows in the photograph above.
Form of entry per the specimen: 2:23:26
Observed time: 4:29:30
